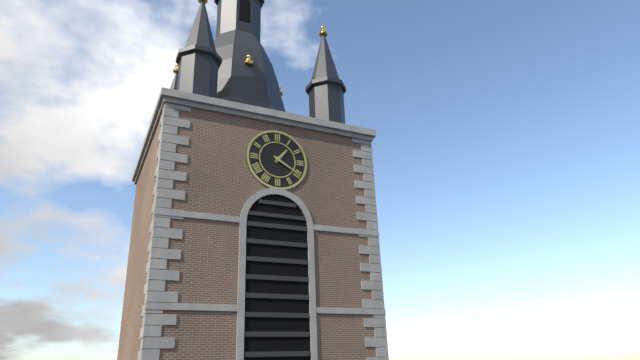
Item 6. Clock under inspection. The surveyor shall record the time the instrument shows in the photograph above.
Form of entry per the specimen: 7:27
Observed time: 1:20
